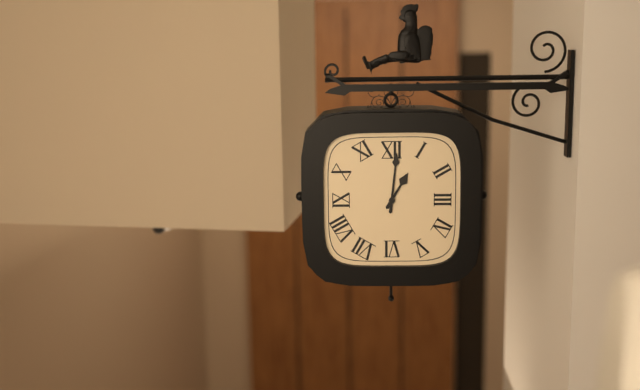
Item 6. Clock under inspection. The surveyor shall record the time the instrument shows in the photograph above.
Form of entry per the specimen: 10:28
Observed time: 1:01
